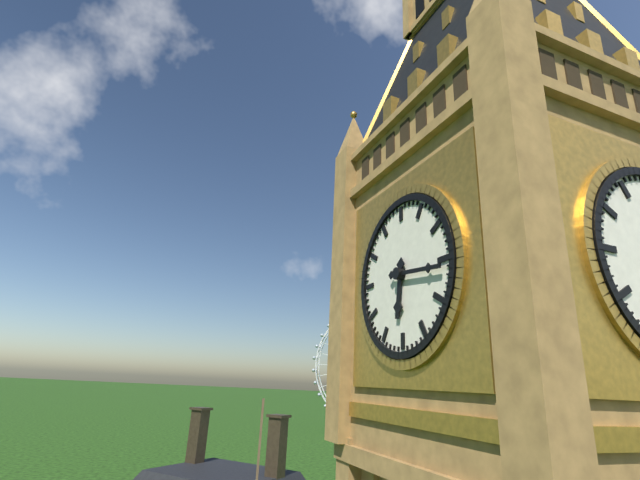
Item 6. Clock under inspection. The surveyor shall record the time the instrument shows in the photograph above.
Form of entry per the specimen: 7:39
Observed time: 6:16
